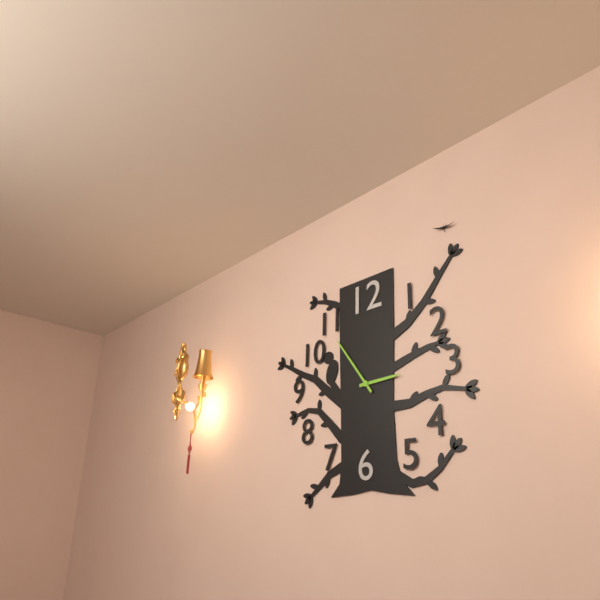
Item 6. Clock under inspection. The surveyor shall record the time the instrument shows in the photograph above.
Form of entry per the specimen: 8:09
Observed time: 2:54
